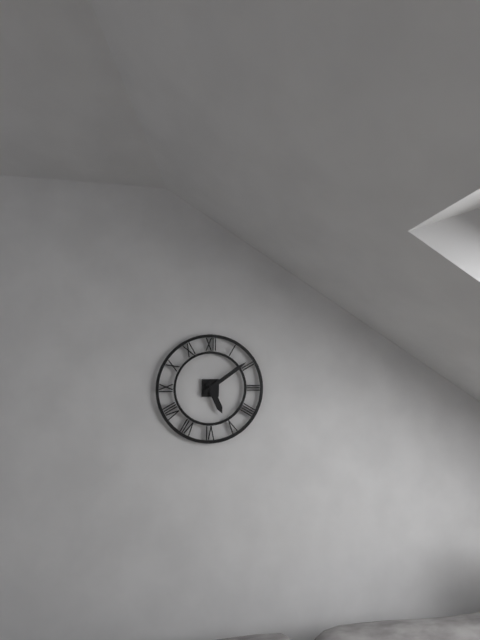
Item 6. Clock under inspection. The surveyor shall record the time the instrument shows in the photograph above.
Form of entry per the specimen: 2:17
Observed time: 5:09
